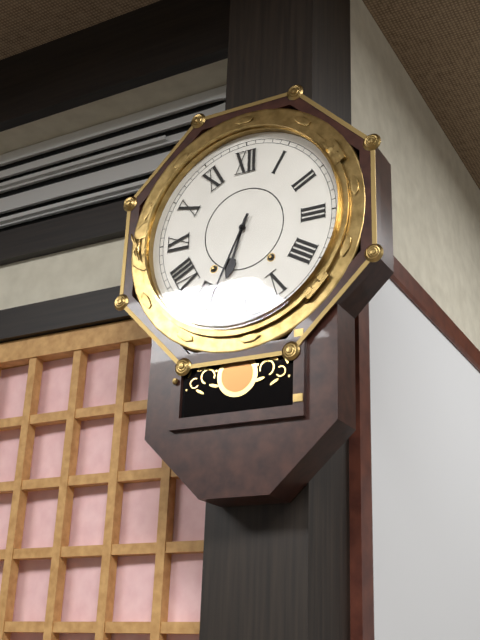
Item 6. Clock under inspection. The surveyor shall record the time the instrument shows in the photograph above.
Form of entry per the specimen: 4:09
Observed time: 6:34
